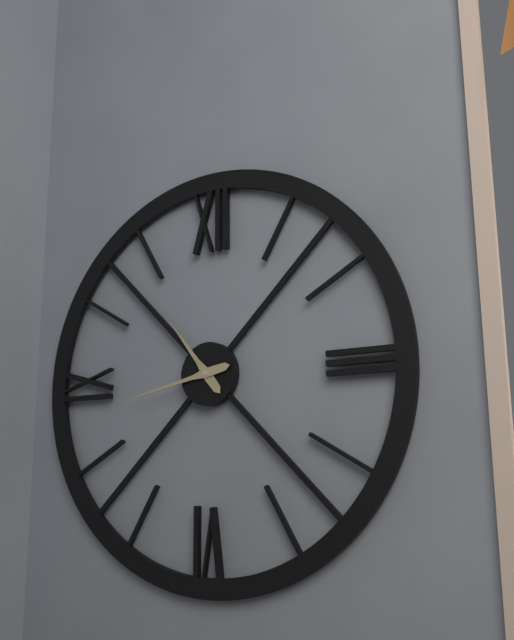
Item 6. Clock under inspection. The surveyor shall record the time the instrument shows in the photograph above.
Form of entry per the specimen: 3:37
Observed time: 10:43
